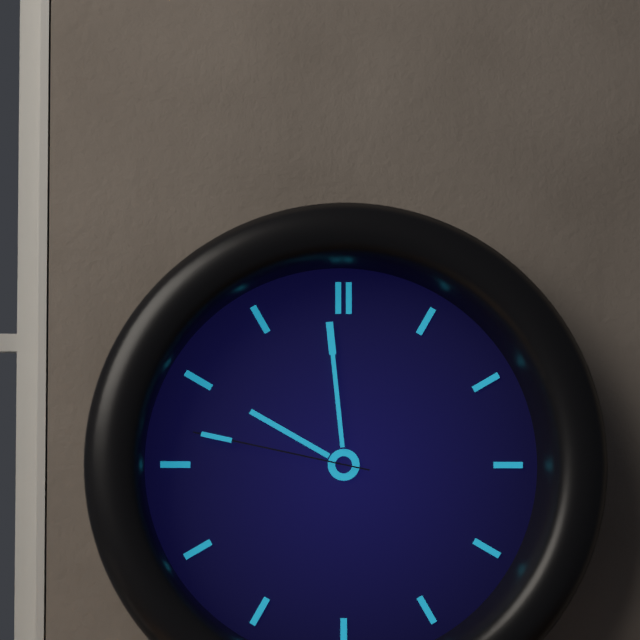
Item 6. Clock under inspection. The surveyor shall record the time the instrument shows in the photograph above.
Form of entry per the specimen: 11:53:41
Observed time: 9:59:47
